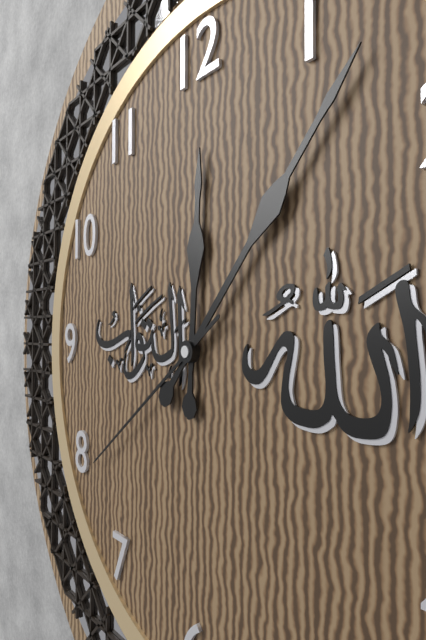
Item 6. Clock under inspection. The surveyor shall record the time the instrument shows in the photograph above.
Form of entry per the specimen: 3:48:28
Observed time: 12:07:39
